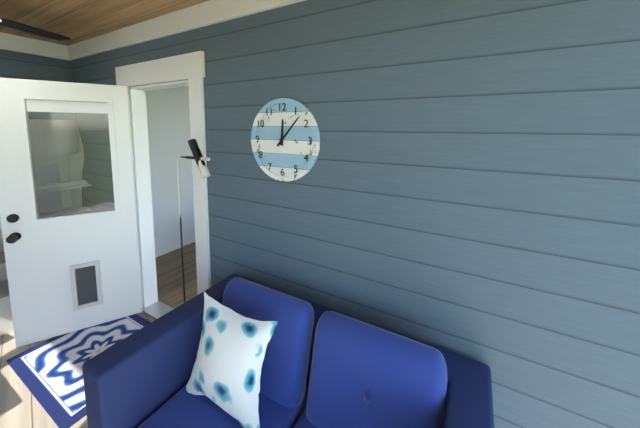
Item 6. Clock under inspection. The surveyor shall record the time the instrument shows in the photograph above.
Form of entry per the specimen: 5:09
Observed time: 12:07
